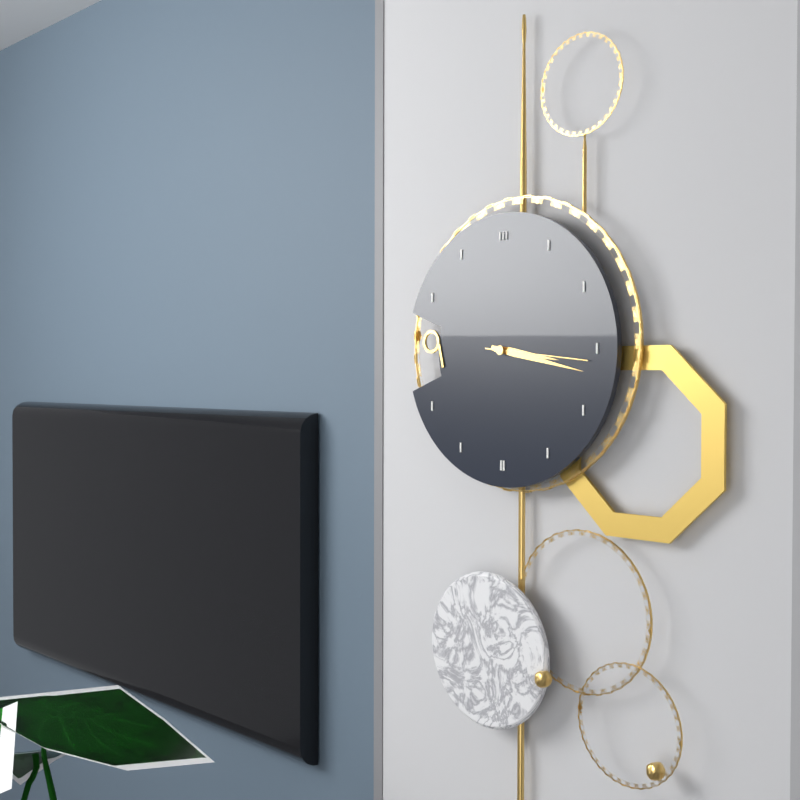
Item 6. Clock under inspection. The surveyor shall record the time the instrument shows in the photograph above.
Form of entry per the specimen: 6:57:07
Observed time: 3:17:16
